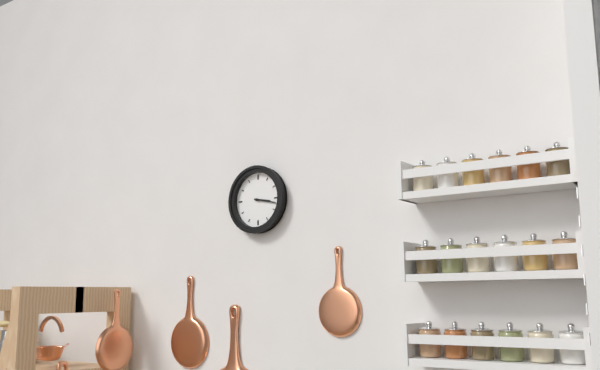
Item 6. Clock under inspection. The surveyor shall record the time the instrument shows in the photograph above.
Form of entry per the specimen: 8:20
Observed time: 3:17
